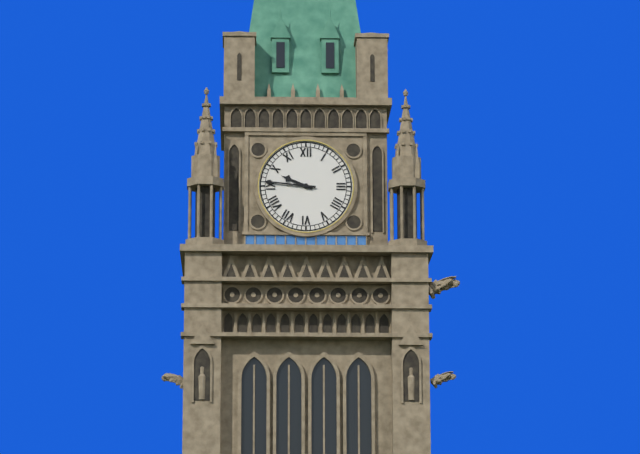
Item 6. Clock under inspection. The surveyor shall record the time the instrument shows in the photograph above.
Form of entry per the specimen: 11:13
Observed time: 9:46
